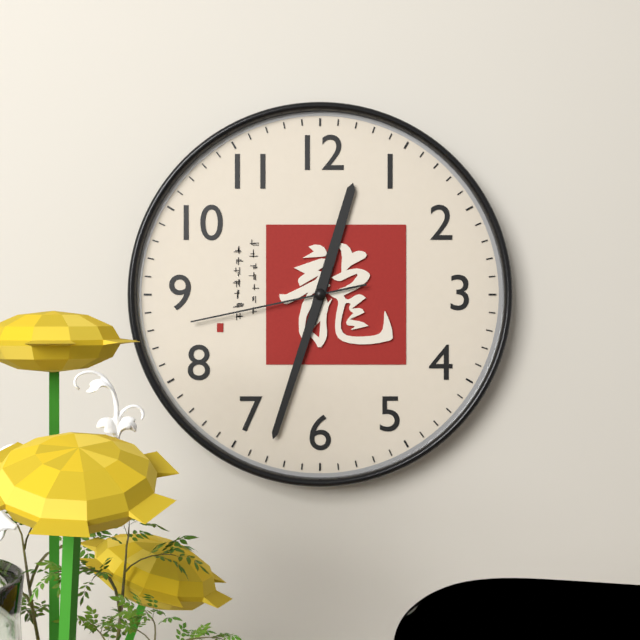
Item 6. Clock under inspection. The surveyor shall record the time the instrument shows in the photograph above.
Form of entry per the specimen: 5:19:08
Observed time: 12:33:43
